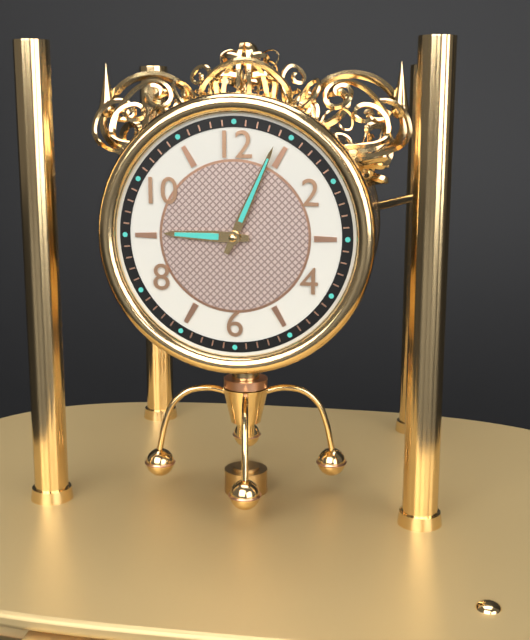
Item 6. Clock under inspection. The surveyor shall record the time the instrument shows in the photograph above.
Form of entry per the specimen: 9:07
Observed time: 9:04
